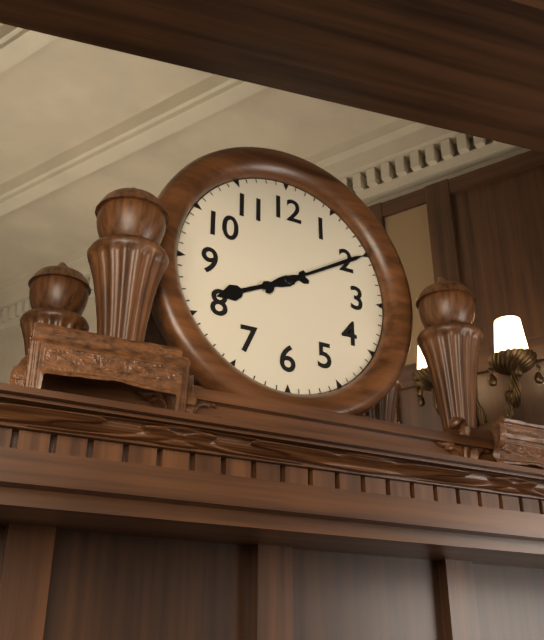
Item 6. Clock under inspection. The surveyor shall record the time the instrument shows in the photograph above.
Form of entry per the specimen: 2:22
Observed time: 8:10
